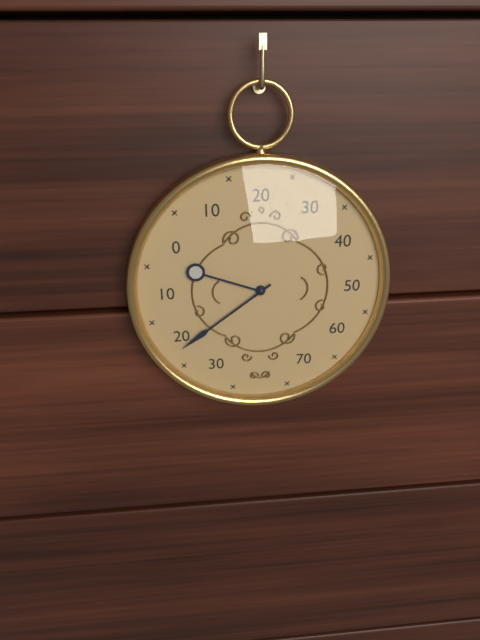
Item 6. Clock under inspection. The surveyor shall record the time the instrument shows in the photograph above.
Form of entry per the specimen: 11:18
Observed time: 9:39
